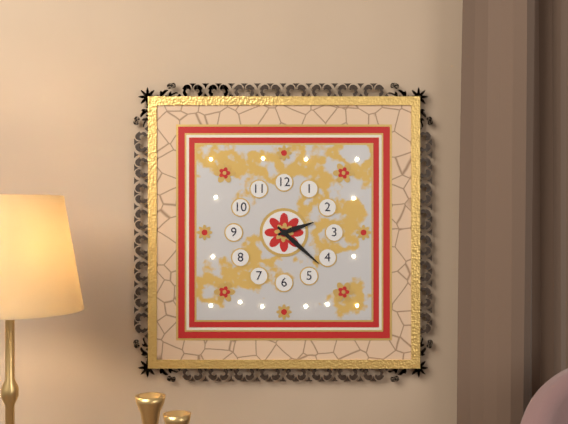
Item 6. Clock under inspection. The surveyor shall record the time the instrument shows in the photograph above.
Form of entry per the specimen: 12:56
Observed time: 2:22
